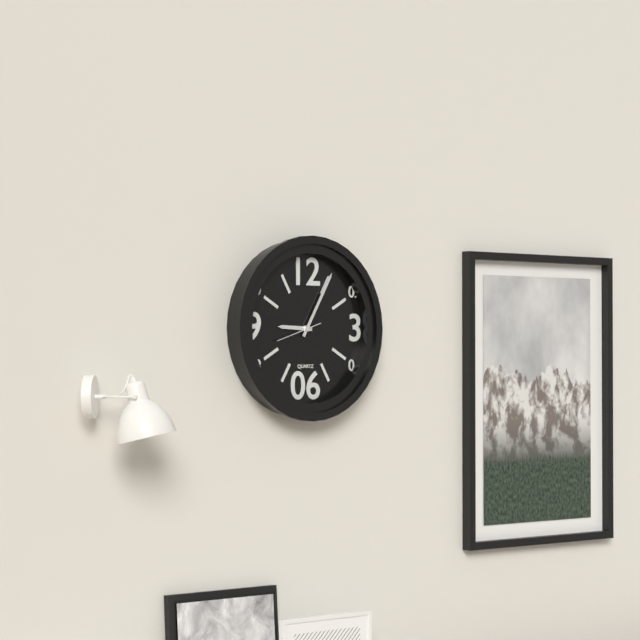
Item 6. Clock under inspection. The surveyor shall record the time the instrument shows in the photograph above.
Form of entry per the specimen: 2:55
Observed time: 9:05
